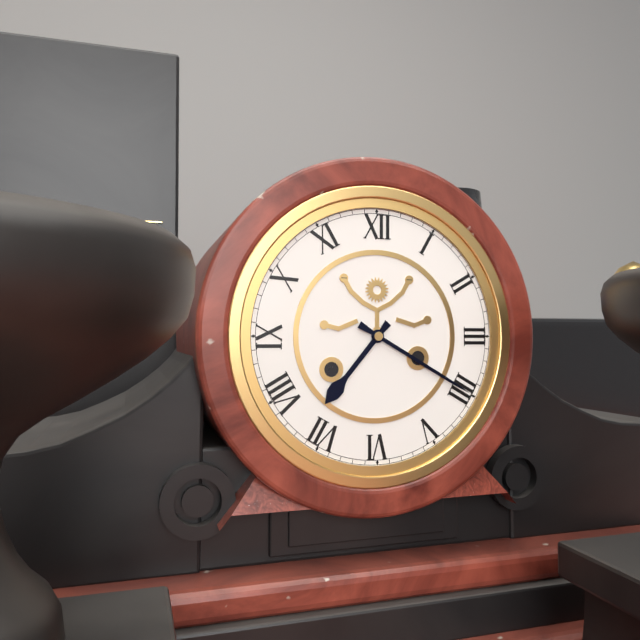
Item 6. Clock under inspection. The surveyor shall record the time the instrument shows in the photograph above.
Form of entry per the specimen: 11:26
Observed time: 7:20
